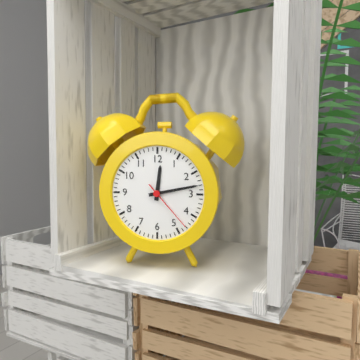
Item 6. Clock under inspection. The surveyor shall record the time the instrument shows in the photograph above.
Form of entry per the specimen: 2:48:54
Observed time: 12:13:23
